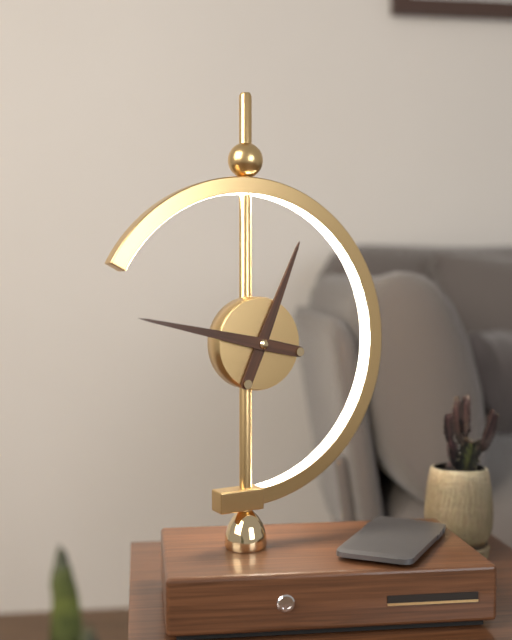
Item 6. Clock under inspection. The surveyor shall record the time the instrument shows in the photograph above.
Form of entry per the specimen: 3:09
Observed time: 12:47
